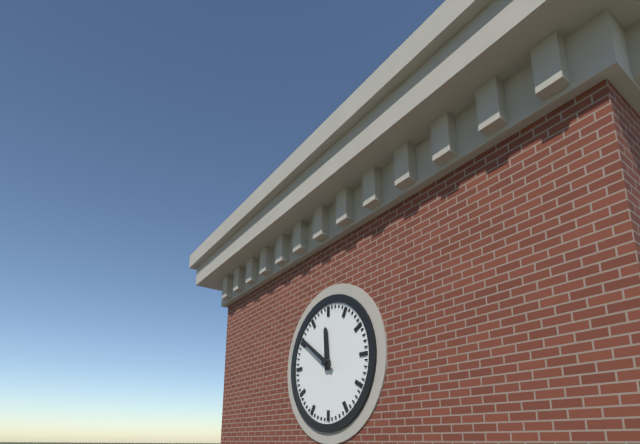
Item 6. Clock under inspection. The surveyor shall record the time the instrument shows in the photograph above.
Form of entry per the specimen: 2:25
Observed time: 11:51
